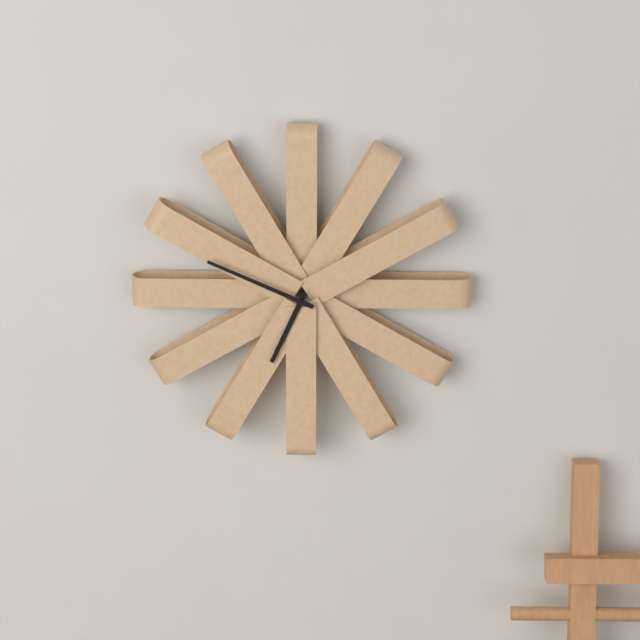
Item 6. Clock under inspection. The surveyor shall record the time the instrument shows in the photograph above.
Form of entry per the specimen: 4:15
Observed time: 6:49
